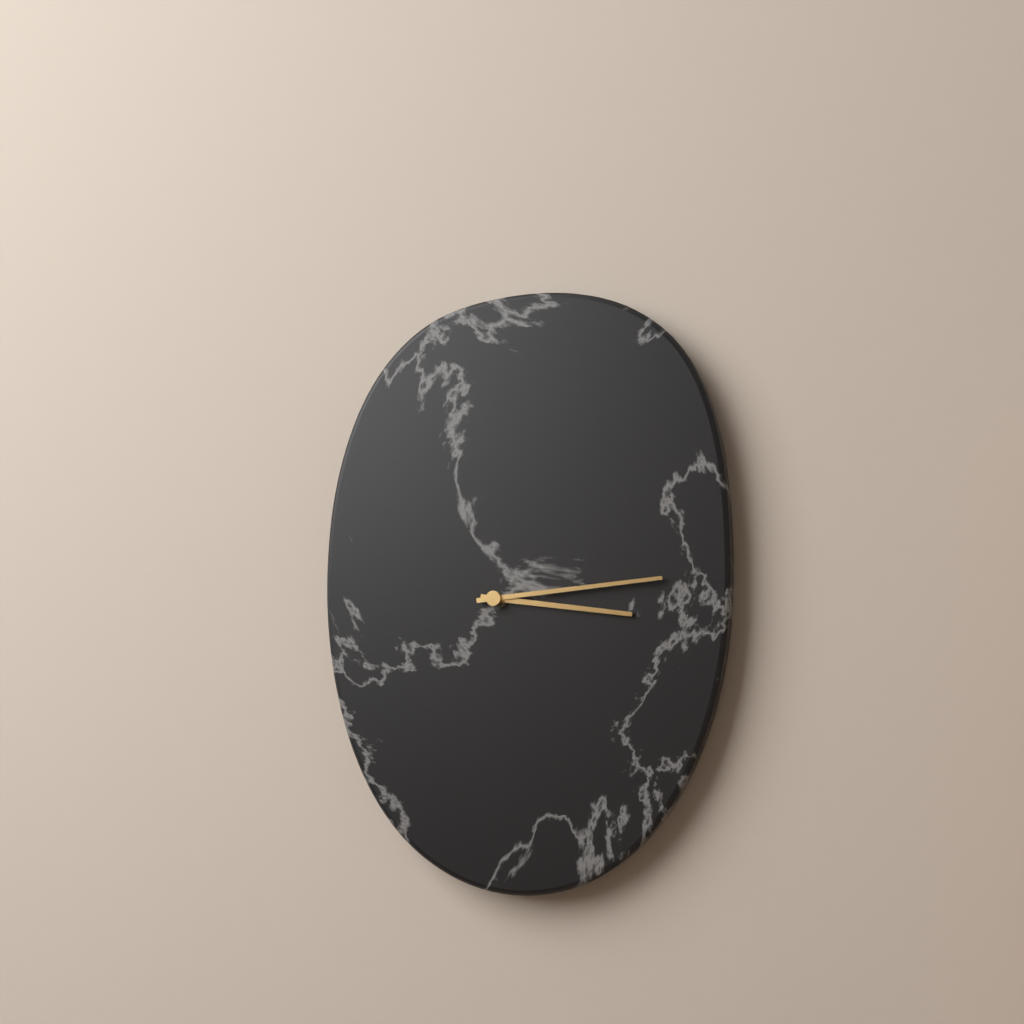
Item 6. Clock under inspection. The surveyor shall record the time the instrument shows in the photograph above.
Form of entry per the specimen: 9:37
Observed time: 3:14
